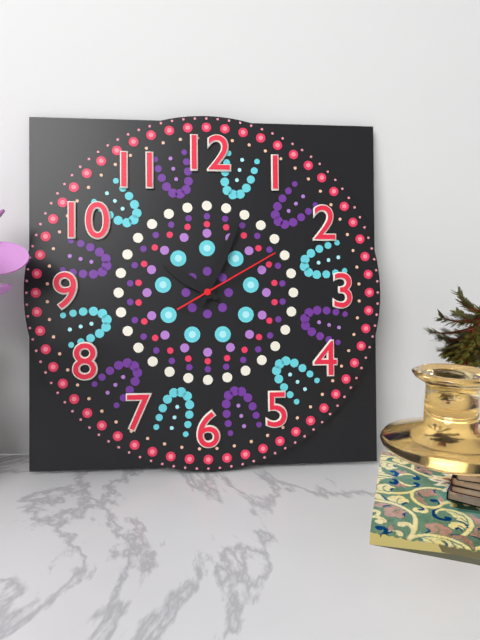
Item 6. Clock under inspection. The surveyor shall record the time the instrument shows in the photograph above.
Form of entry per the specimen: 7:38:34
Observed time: 10:04:10
